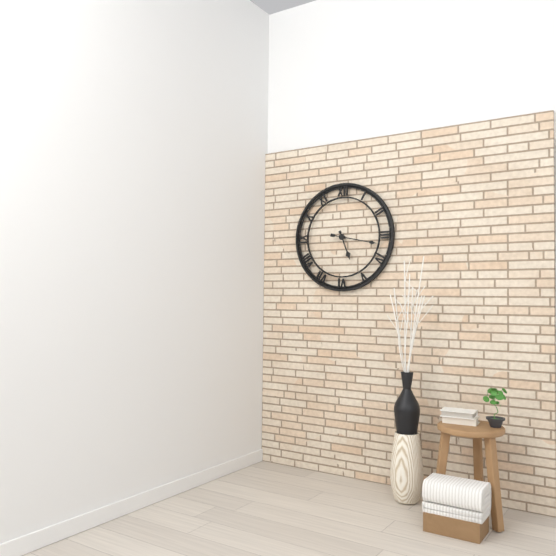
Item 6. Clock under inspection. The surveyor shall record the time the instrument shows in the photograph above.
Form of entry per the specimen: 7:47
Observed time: 5:17
